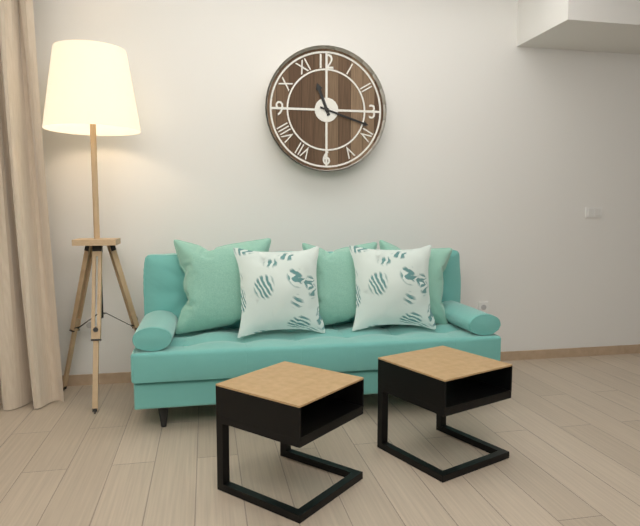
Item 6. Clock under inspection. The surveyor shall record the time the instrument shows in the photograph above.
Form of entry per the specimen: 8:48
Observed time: 11:18
